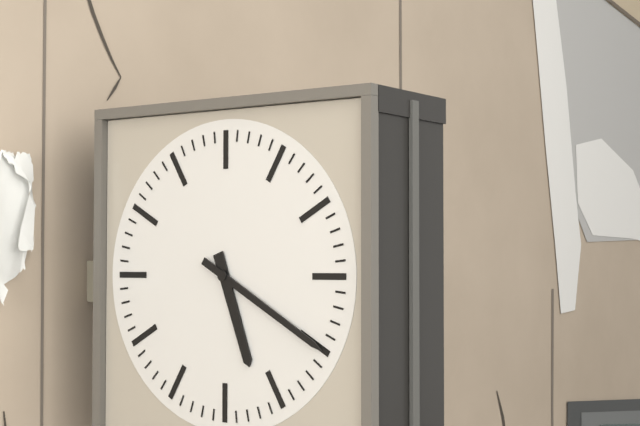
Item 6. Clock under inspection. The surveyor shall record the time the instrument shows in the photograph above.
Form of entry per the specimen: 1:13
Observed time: 5:20
